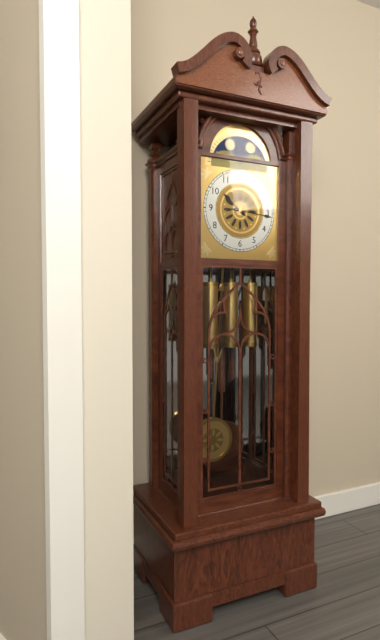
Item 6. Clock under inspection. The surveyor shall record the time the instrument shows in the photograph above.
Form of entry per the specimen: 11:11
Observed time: 10:16
